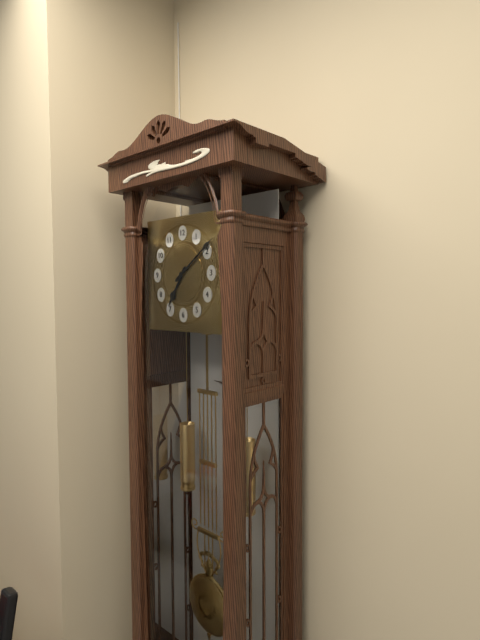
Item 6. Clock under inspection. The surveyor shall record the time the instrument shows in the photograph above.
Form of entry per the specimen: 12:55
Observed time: 7:09
